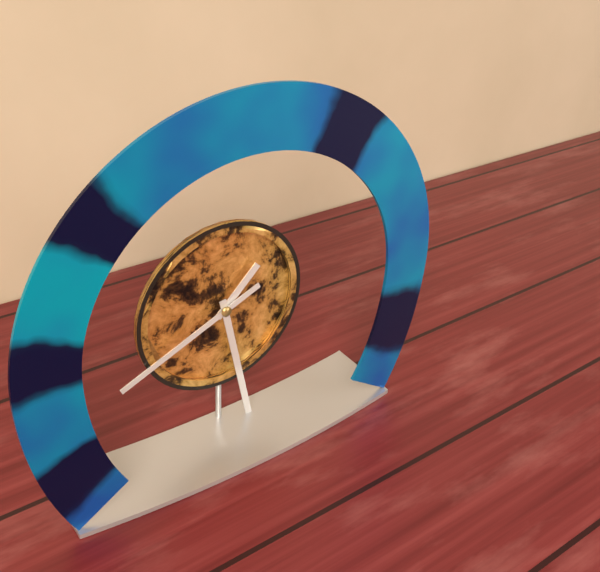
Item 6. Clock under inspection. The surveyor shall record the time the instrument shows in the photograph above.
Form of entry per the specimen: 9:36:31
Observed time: 1:28:41
